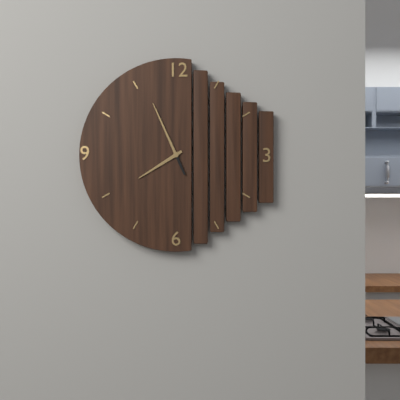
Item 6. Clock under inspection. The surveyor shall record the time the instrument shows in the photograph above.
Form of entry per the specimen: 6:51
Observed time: 7:56
